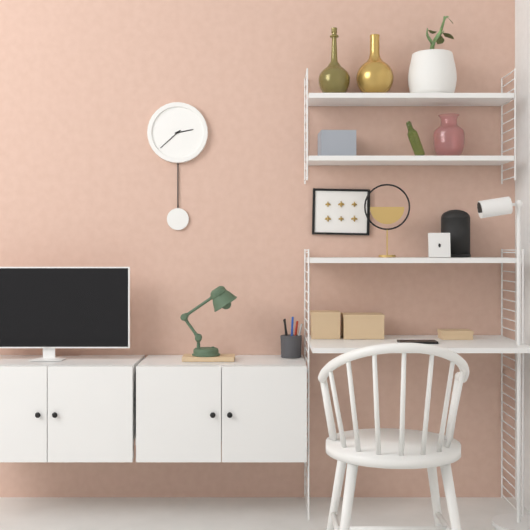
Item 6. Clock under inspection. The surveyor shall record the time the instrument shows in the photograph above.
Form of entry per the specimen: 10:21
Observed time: 2:38
